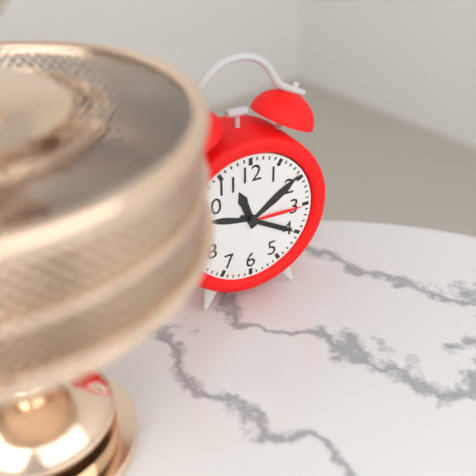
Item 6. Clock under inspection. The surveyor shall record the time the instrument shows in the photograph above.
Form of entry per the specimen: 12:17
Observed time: 11:20
